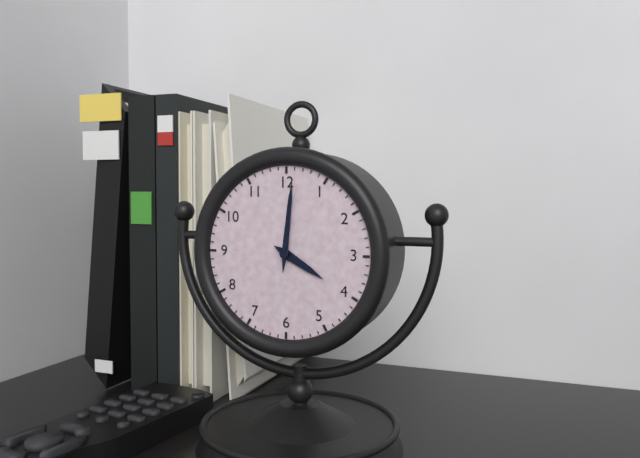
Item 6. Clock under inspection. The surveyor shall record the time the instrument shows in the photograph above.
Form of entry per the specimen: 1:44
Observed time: 4:01
